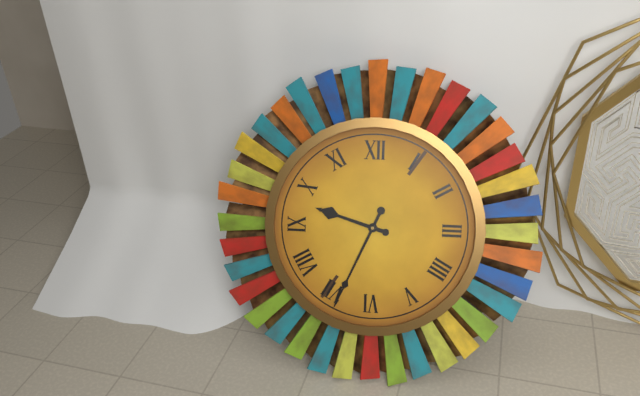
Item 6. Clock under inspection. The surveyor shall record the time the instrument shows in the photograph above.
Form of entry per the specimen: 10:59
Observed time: 9:34
